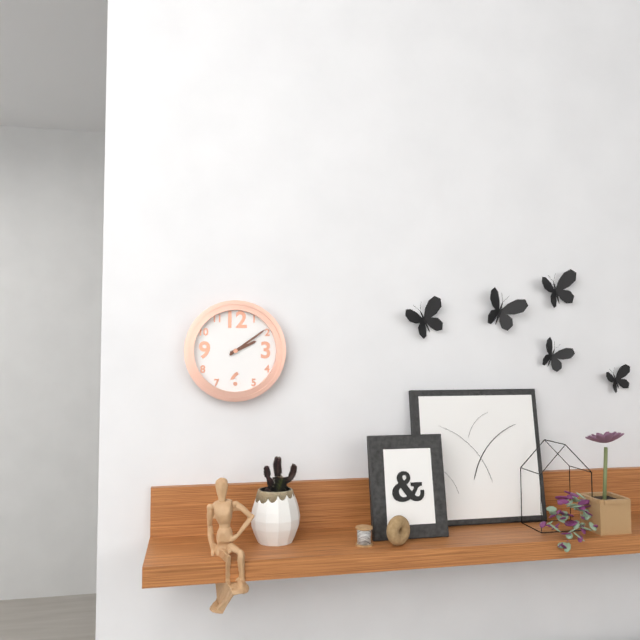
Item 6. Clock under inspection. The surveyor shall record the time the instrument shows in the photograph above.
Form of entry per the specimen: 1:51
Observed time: 2:09
